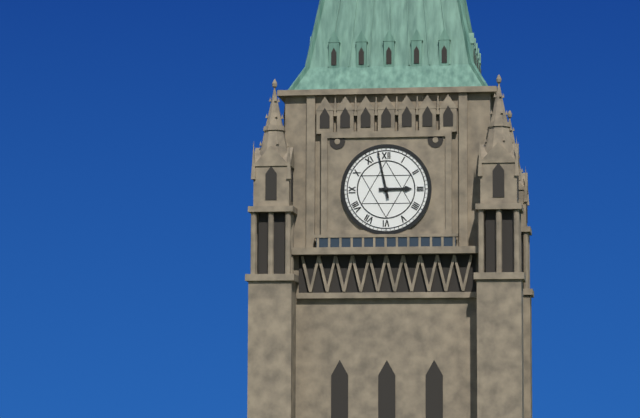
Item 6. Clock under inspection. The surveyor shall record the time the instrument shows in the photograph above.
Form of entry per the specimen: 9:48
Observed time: 2:58
